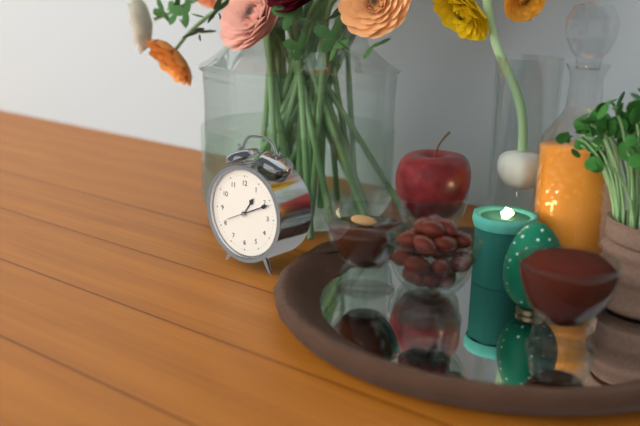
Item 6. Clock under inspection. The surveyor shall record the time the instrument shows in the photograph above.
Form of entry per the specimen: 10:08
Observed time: 1:11
